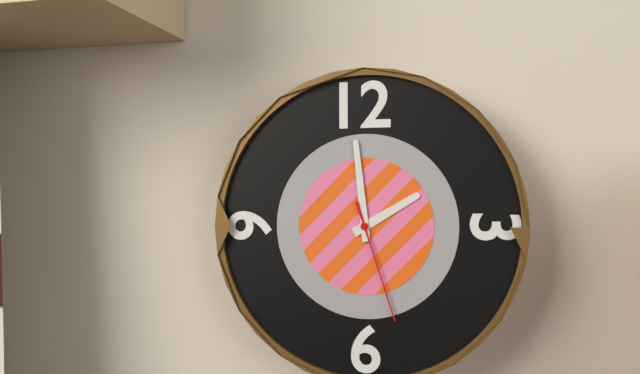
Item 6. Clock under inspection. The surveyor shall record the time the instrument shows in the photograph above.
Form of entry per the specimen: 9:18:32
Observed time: 1:59:27
